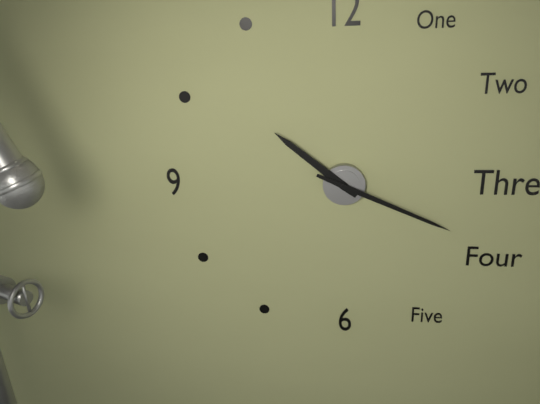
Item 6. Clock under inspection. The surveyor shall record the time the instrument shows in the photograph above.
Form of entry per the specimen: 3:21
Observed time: 10:19
